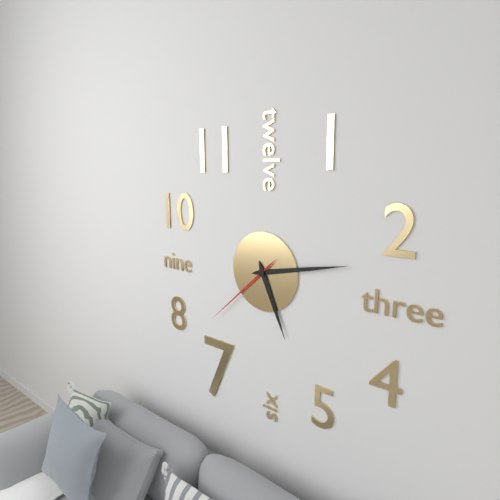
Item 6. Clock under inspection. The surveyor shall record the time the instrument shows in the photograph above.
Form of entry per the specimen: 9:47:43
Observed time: 5:13:38
